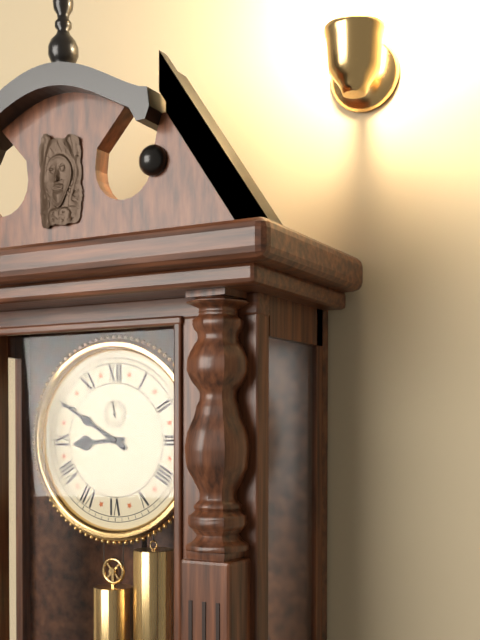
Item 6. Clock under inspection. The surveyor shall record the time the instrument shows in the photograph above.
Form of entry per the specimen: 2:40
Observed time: 8:50
